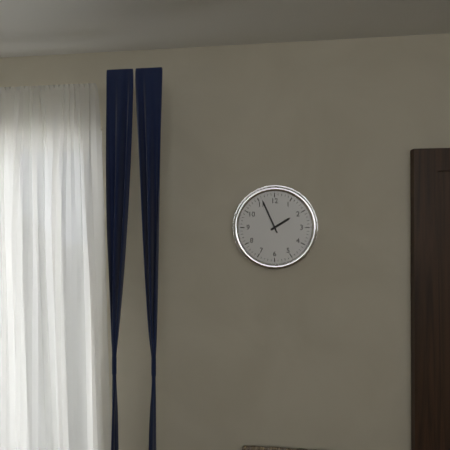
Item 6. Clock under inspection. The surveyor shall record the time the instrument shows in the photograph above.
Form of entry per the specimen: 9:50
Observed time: 1:56
